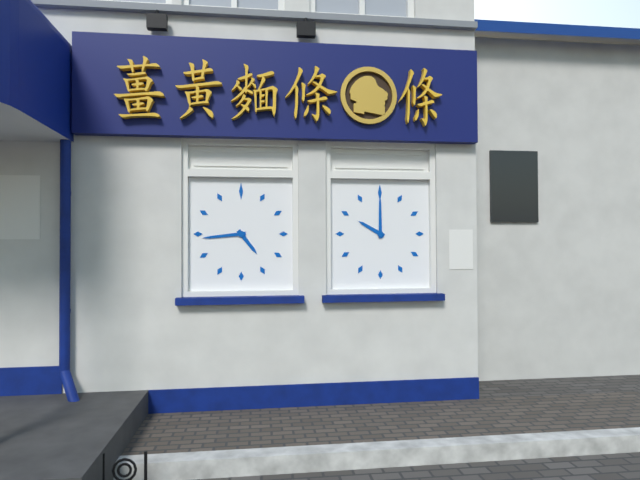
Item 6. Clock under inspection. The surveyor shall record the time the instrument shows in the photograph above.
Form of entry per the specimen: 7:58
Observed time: 4:44
